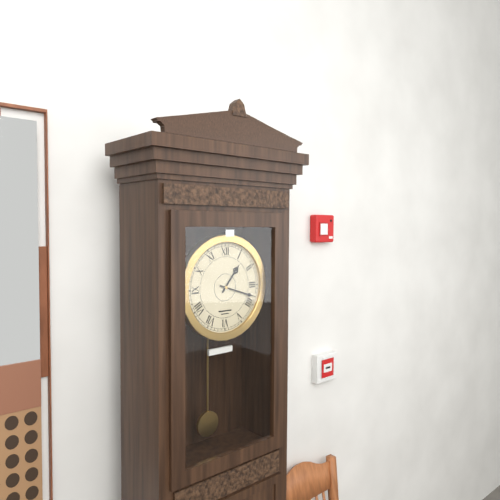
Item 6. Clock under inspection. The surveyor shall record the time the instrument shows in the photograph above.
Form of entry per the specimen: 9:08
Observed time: 1:18
